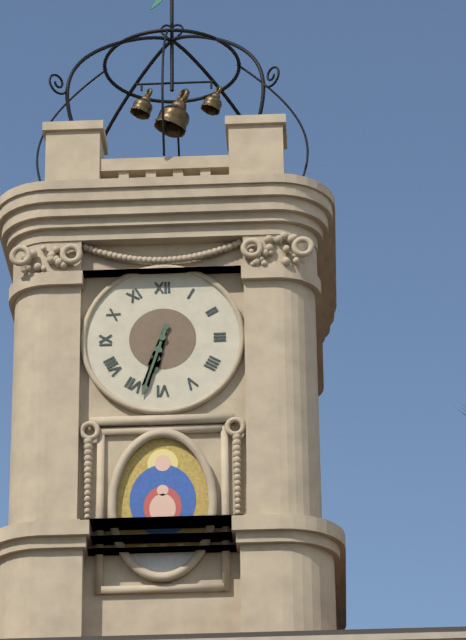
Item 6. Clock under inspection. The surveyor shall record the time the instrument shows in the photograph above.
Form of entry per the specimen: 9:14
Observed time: 6:33
